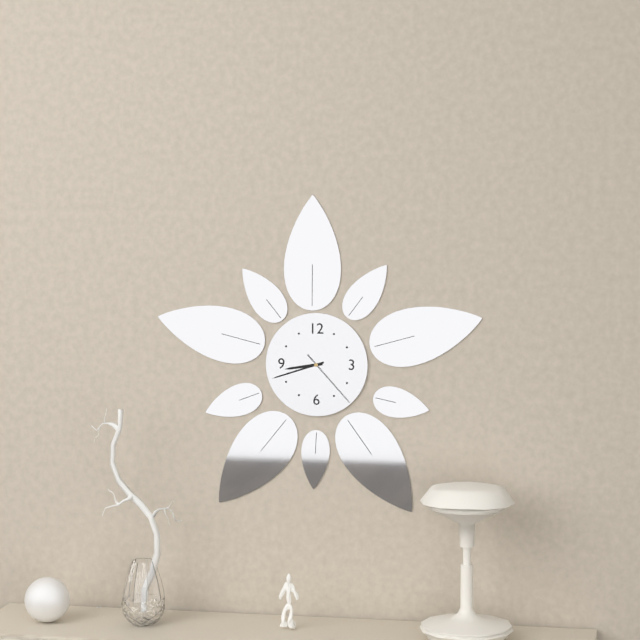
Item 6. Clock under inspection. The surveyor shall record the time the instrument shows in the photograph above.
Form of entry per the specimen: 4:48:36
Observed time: 8:42:23
